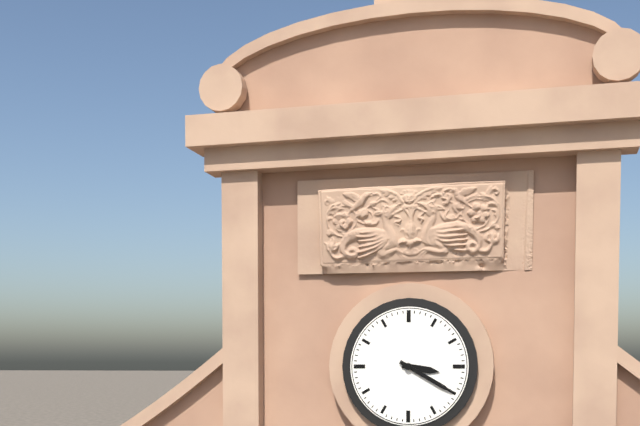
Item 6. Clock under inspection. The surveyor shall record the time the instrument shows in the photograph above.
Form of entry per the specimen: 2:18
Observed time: 3:20
